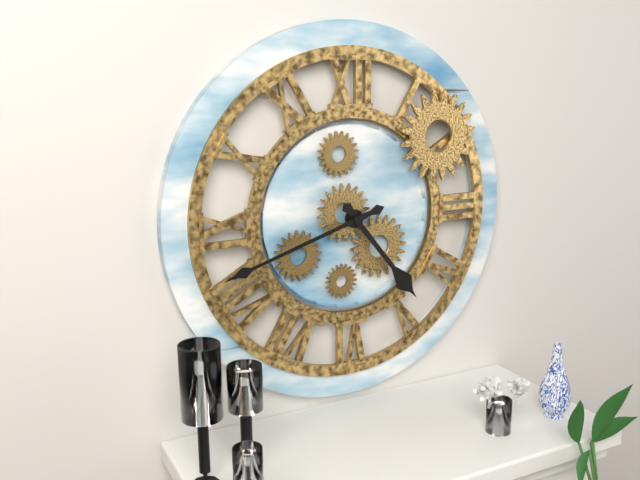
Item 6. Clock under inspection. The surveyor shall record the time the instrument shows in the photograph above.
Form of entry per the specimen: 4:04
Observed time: 4:42
